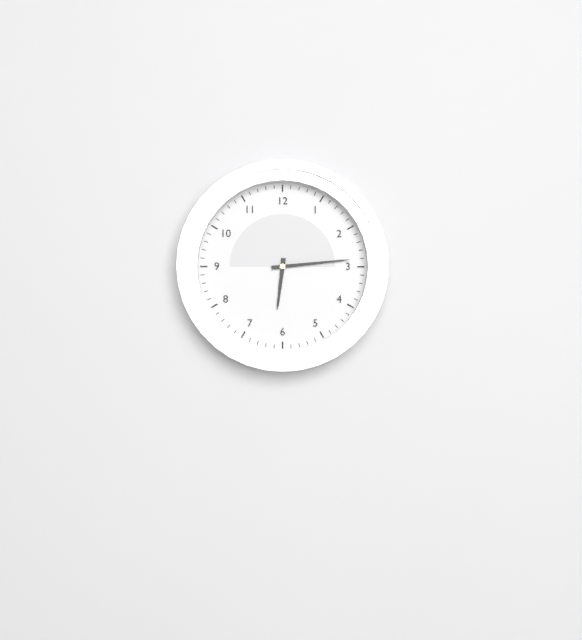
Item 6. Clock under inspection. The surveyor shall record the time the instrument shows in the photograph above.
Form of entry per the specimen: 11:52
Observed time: 6:14
